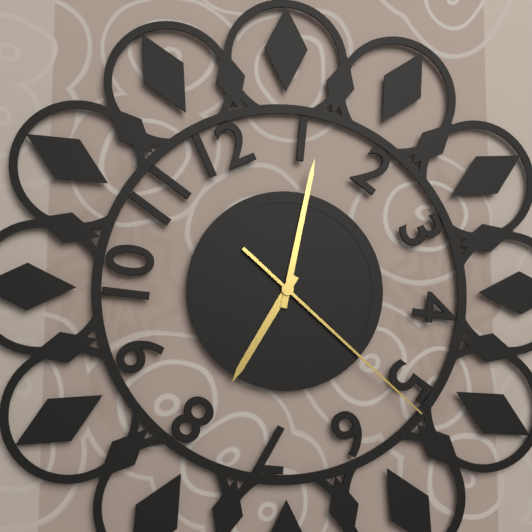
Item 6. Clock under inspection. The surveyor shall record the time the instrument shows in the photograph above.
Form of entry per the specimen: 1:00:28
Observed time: 7:02:22
